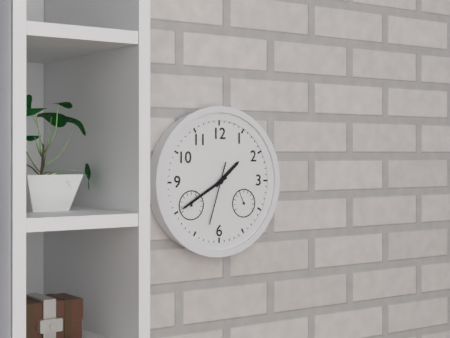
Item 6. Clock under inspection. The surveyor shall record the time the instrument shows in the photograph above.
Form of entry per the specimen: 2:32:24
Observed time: 1:40:33
